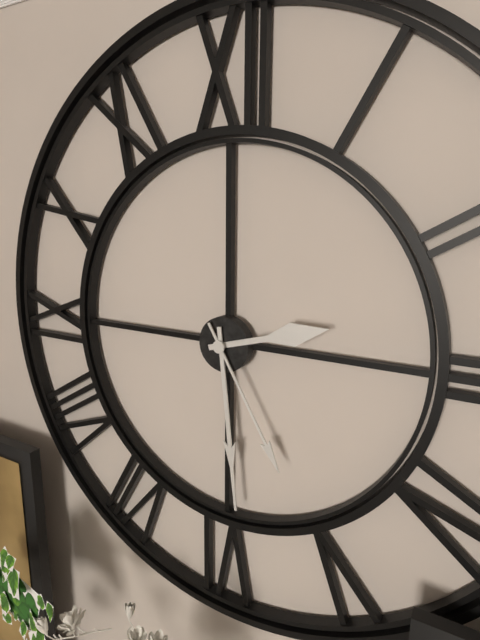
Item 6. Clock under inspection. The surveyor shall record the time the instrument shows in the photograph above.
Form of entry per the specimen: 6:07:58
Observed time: 2:29:25
